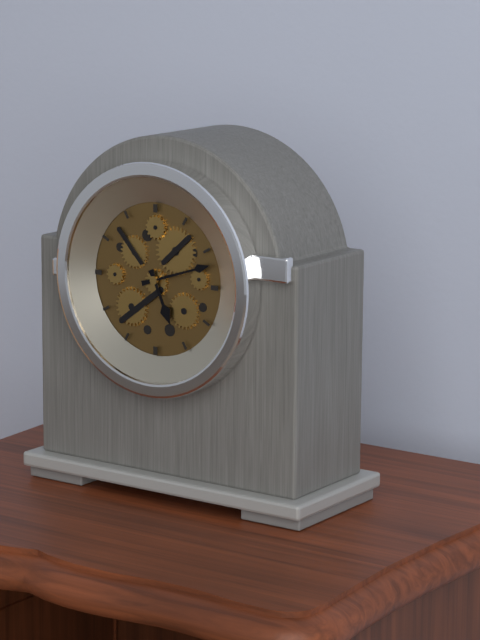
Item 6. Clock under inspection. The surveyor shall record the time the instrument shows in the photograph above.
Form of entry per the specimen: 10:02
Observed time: 5:12
